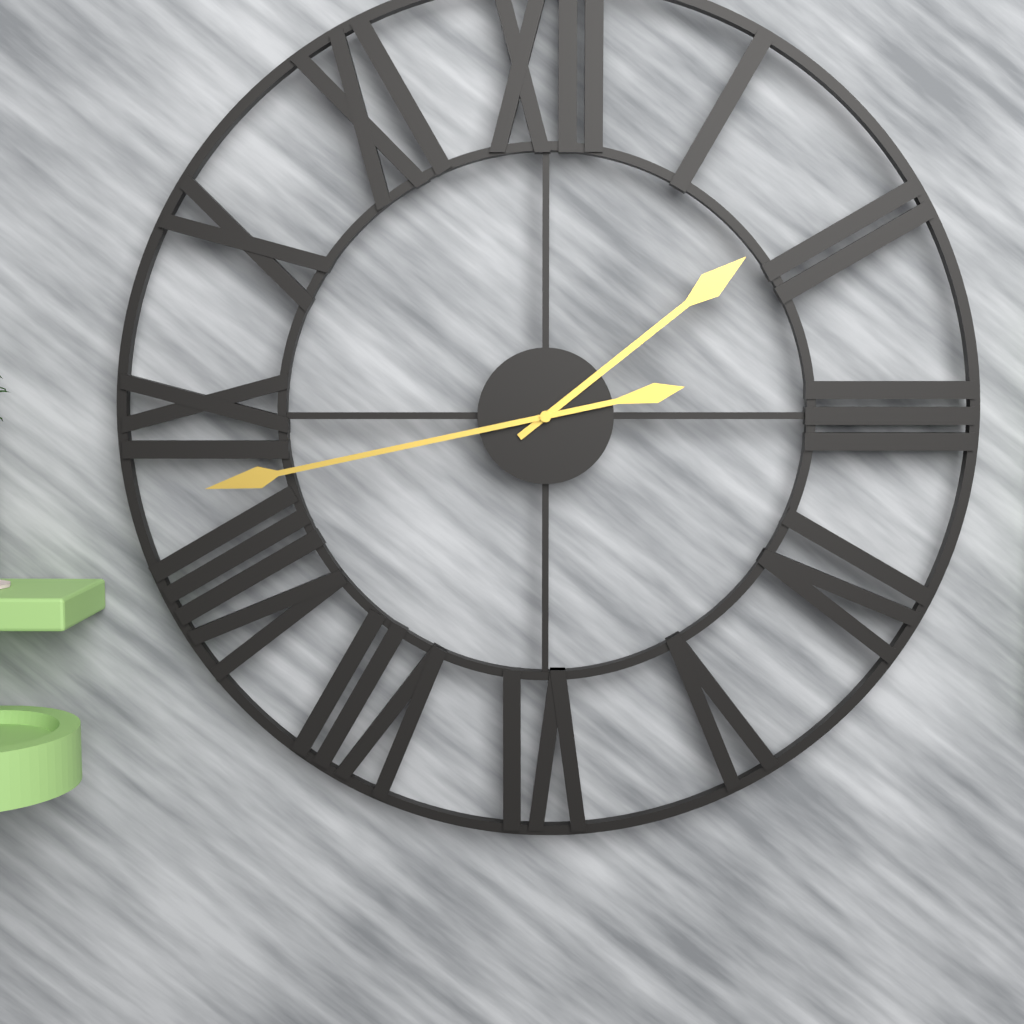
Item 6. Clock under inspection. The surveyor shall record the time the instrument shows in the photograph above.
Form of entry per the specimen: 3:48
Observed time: 1:43
